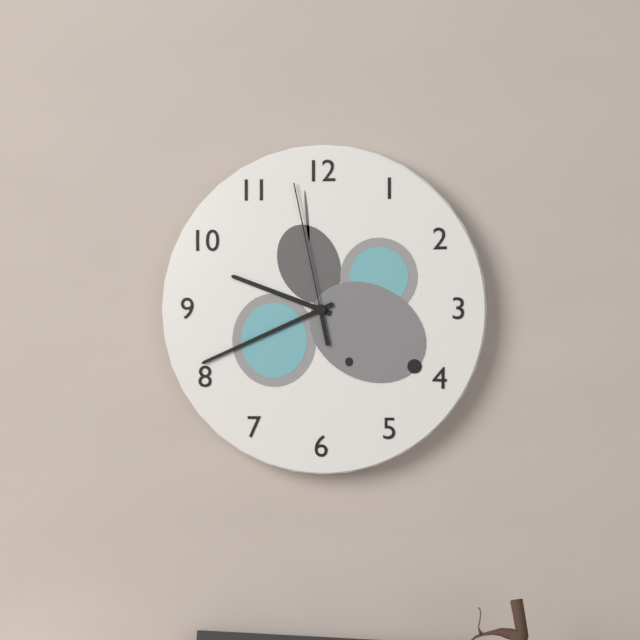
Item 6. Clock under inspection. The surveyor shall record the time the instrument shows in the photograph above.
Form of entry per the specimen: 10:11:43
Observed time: 9:41:58
